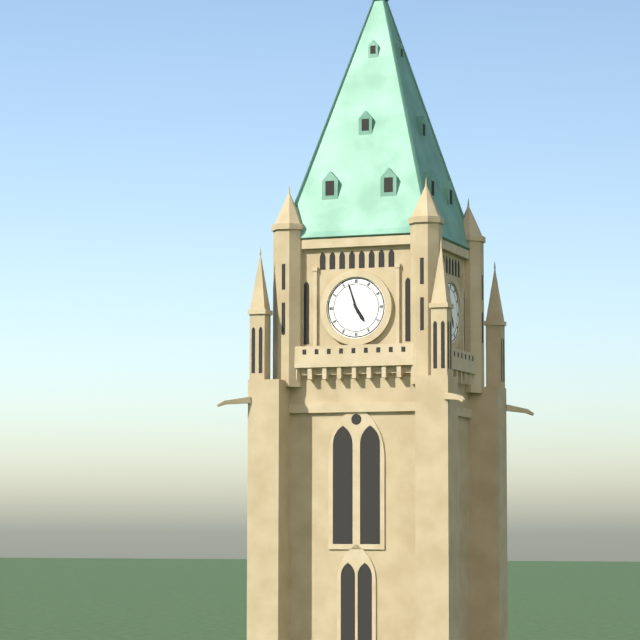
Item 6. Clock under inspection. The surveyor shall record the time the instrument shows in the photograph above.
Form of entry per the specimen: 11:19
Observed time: 4:57
